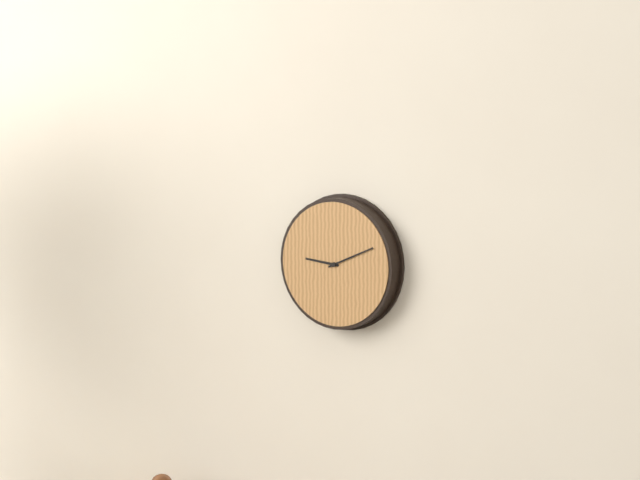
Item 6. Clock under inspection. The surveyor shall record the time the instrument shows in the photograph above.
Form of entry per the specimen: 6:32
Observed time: 9:11
